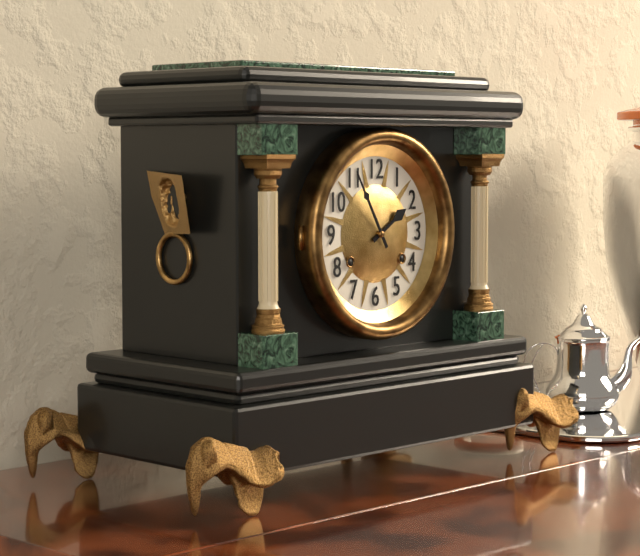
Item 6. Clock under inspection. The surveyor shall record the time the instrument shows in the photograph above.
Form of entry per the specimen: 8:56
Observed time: 1:55
